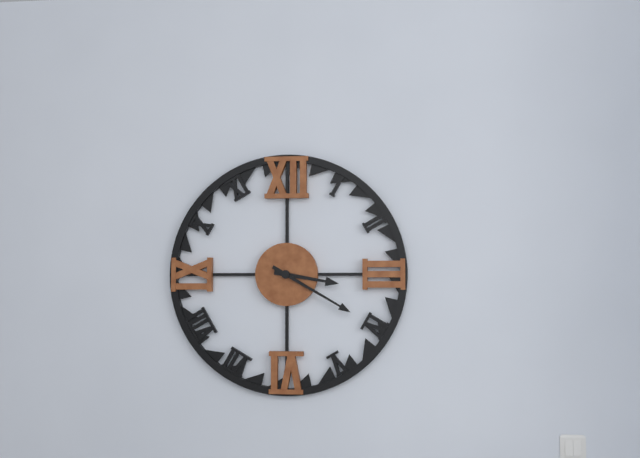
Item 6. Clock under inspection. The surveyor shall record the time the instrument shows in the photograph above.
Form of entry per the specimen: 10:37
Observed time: 3:20
